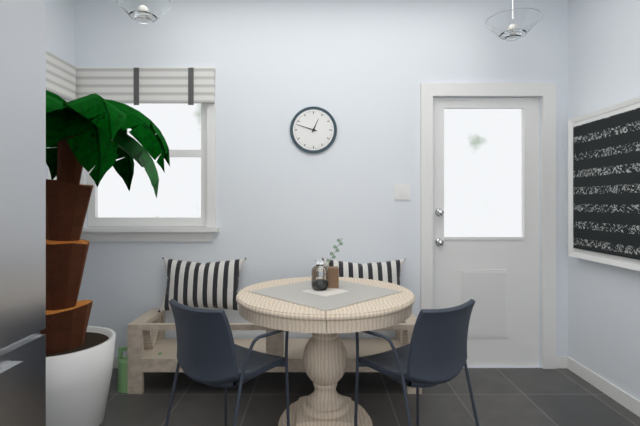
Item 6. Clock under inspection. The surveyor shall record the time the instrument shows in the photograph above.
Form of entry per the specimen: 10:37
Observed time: 12:48
